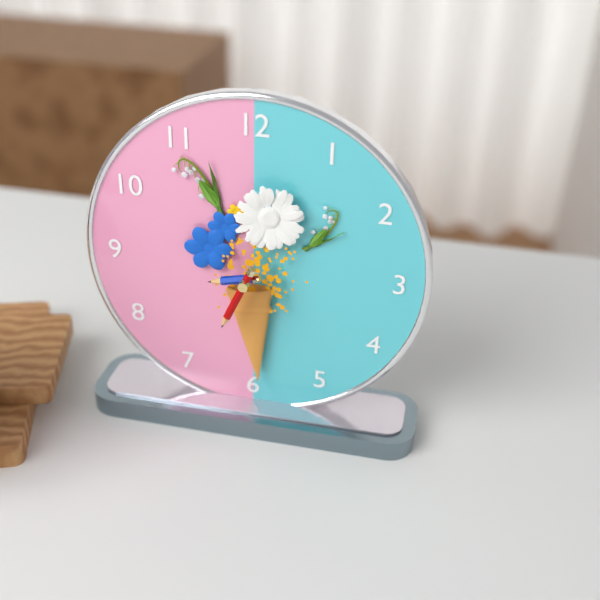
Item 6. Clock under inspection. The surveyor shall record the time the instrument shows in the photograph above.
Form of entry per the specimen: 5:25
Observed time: 8:34
